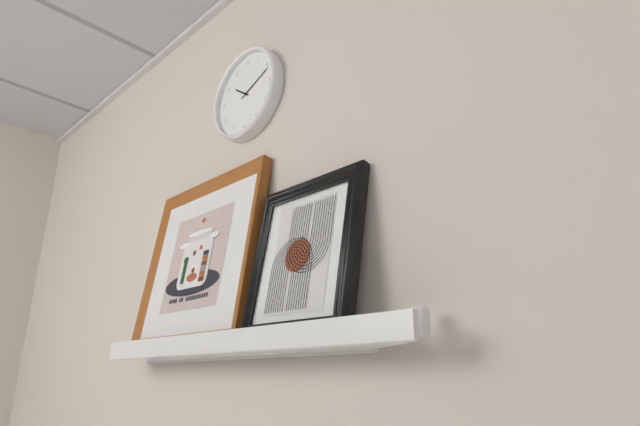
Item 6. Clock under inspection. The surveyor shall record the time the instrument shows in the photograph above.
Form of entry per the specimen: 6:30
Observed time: 10:11
